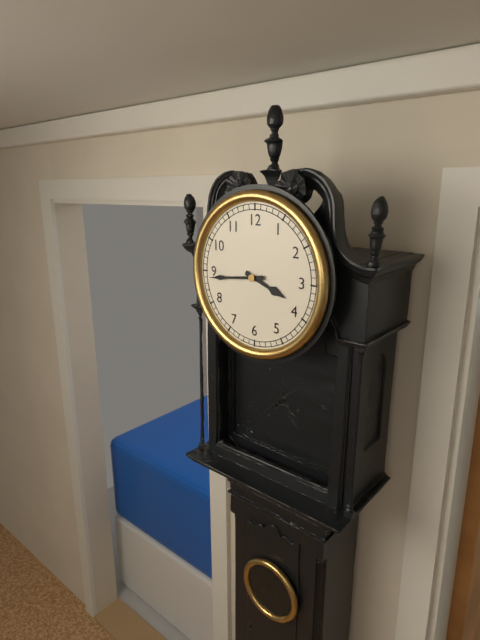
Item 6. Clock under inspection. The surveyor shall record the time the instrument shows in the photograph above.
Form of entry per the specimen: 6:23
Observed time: 3:44
